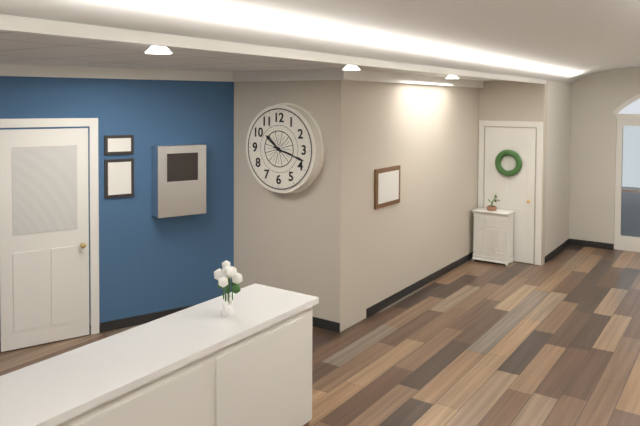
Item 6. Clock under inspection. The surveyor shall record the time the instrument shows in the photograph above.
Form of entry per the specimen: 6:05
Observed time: 10:18
